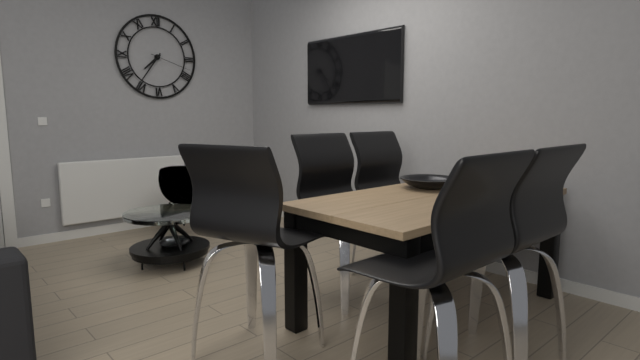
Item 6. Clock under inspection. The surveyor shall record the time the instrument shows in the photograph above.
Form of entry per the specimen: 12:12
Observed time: 7:36
